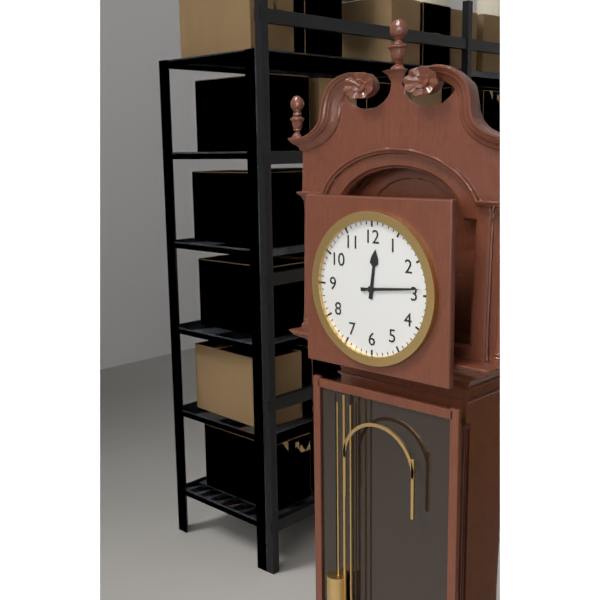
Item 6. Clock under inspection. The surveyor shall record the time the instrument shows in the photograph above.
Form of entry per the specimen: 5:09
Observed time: 12:14
